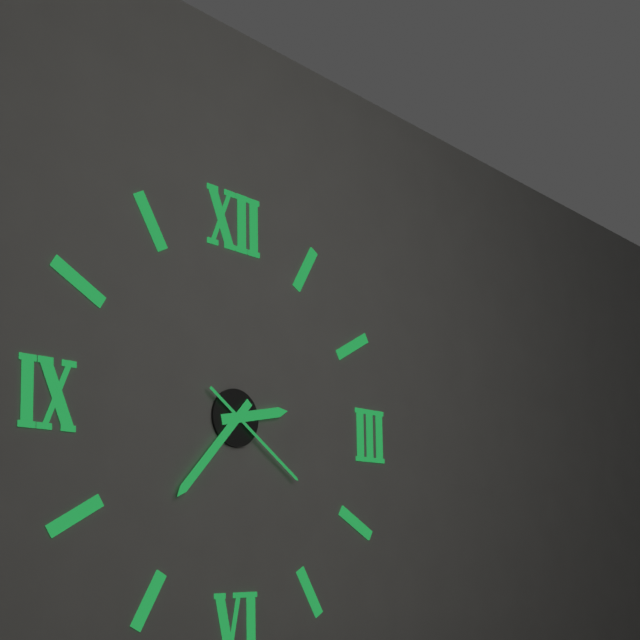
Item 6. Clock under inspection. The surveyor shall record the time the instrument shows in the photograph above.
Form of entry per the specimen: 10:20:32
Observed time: 2:37:21
